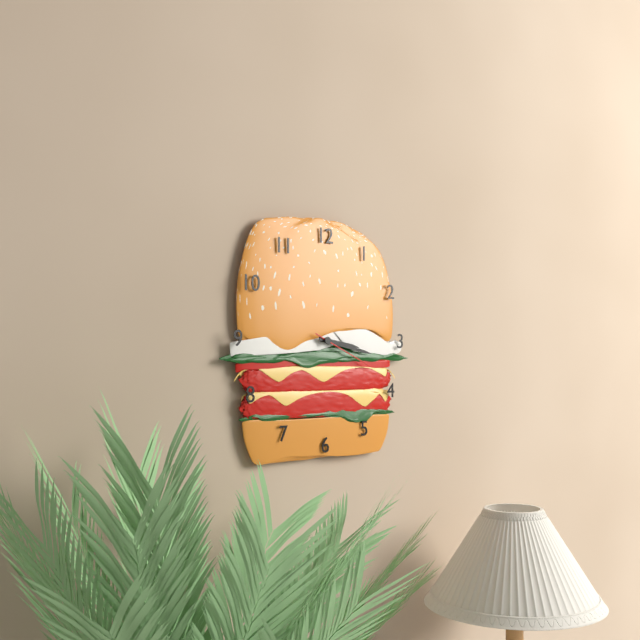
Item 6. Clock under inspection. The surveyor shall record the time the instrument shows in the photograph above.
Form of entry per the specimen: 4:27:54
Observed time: 3:17:19
